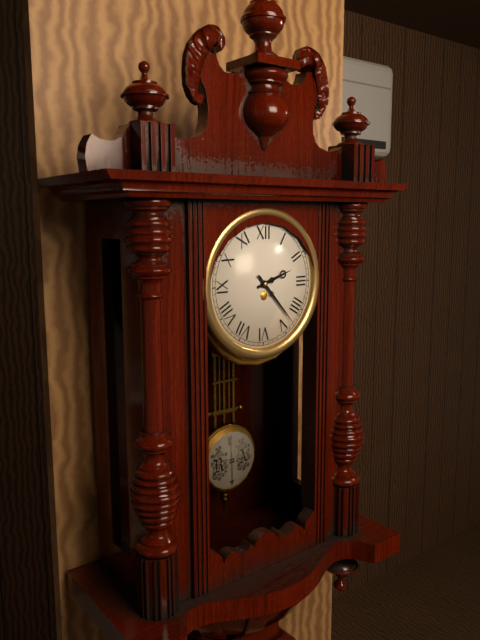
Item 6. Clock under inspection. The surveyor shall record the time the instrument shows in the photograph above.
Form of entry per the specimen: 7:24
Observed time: 2:23
